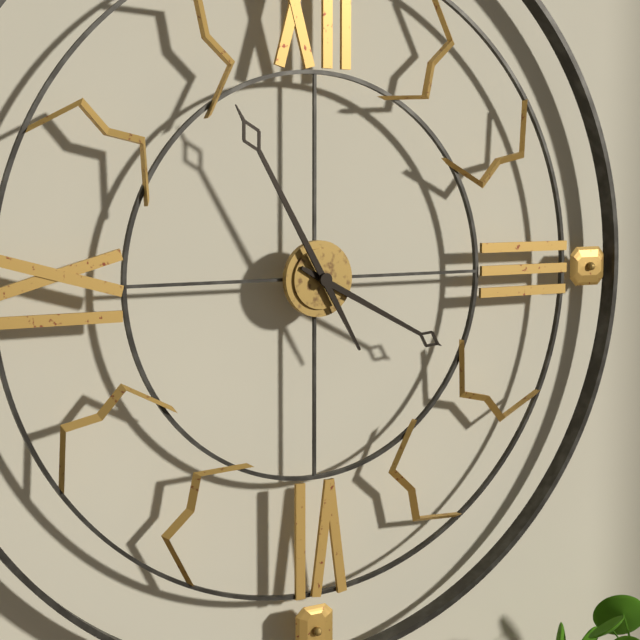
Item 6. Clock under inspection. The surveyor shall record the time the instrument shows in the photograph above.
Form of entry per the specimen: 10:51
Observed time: 3:55
